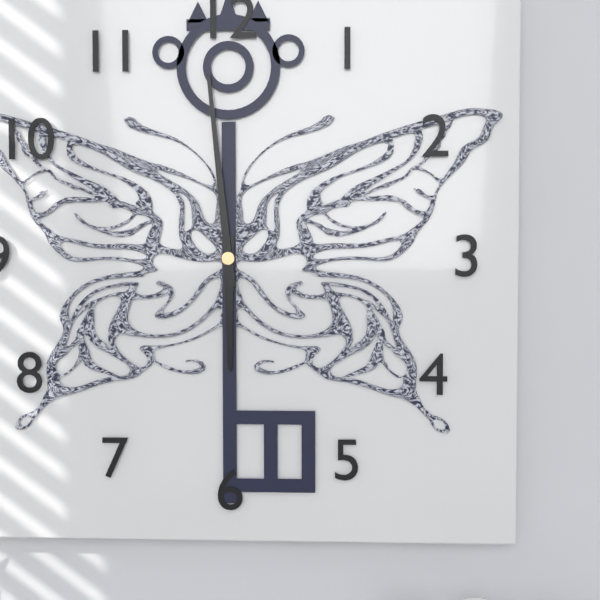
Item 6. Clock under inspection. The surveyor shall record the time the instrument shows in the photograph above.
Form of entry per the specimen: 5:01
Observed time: 5:59
